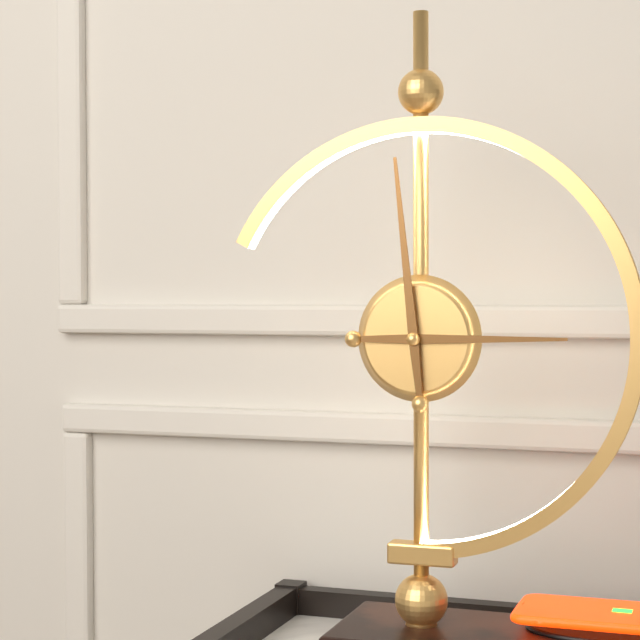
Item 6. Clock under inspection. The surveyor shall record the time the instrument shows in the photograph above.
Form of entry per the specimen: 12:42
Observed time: 2:59
